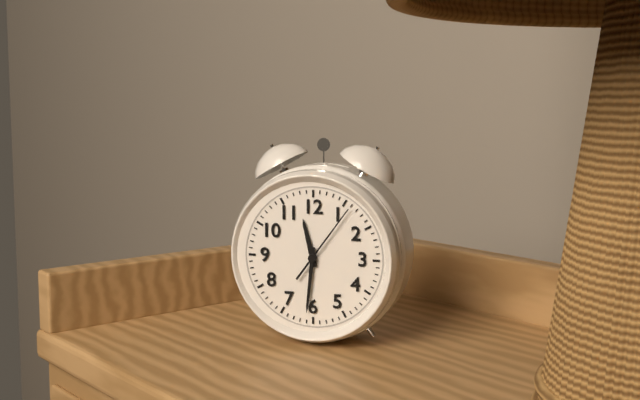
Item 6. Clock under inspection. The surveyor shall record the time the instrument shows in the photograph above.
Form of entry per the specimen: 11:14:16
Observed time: 11:31:06
